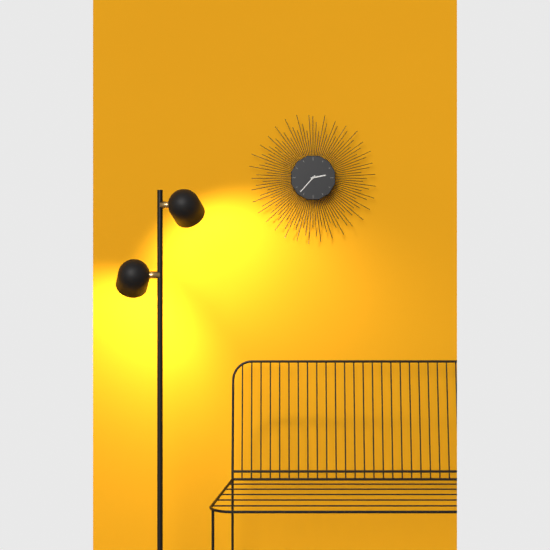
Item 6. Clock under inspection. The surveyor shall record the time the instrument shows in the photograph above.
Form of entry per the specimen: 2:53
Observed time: 2:37
